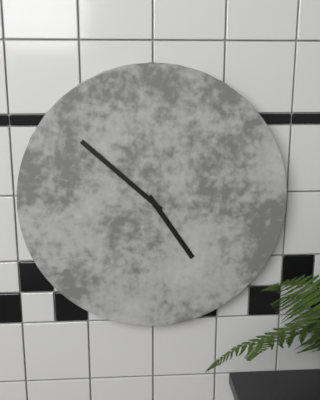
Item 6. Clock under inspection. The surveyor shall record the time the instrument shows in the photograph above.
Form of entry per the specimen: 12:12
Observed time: 4:52
